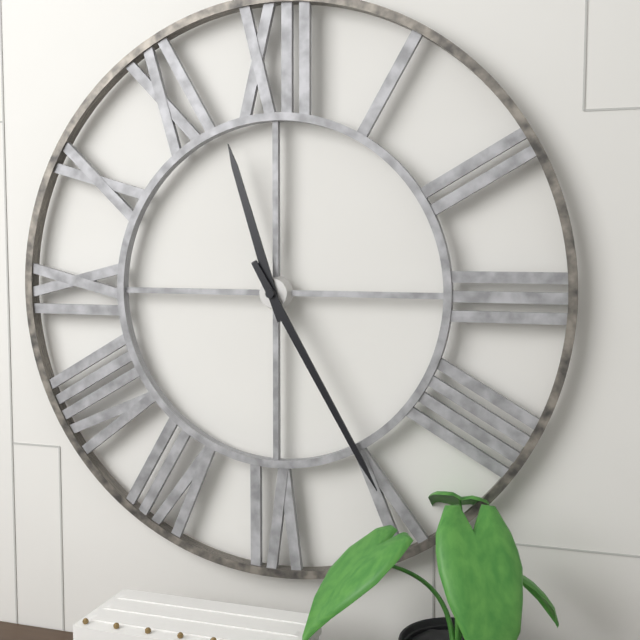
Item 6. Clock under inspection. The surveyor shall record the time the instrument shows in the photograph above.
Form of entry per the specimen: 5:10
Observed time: 11:25
